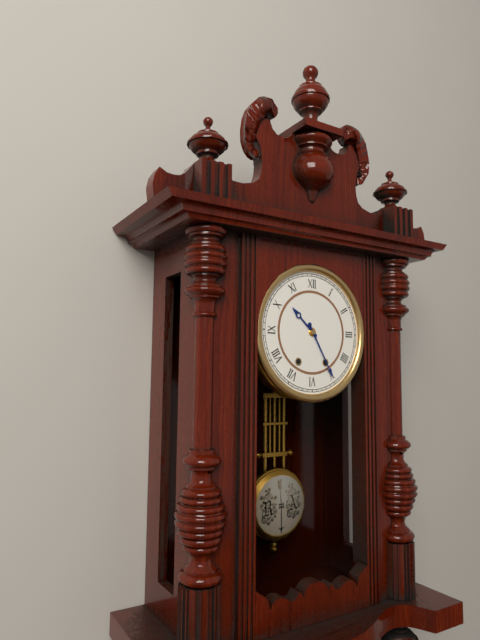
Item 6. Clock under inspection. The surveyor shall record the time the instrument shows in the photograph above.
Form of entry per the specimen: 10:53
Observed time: 10:25
